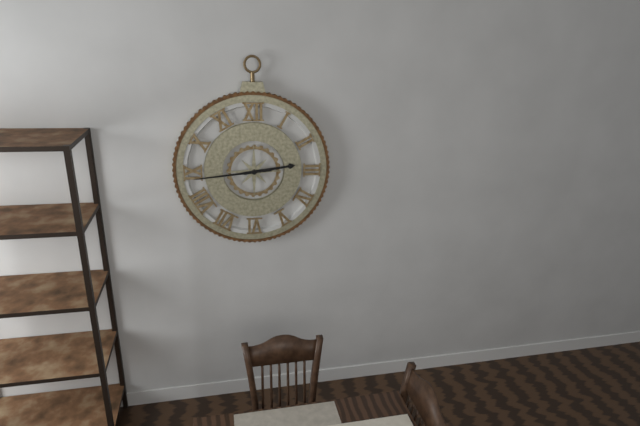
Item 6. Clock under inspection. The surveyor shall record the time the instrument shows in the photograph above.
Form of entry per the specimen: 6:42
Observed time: 2:44
